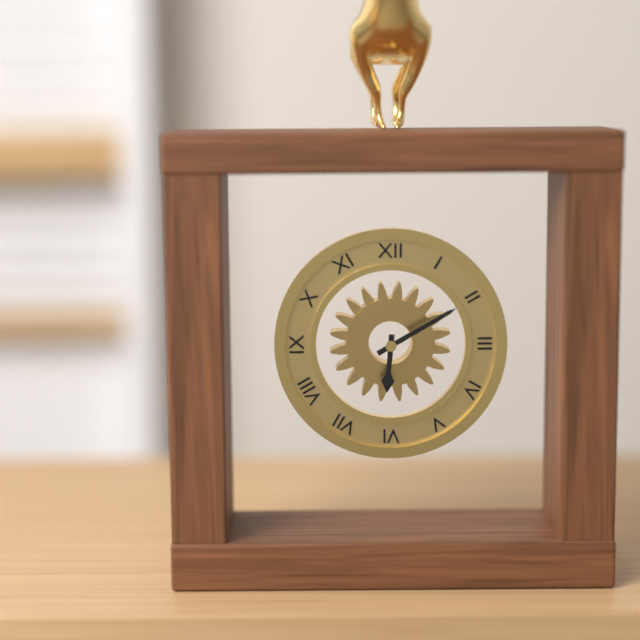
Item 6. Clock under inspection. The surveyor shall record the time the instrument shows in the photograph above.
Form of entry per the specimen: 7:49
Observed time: 6:10
